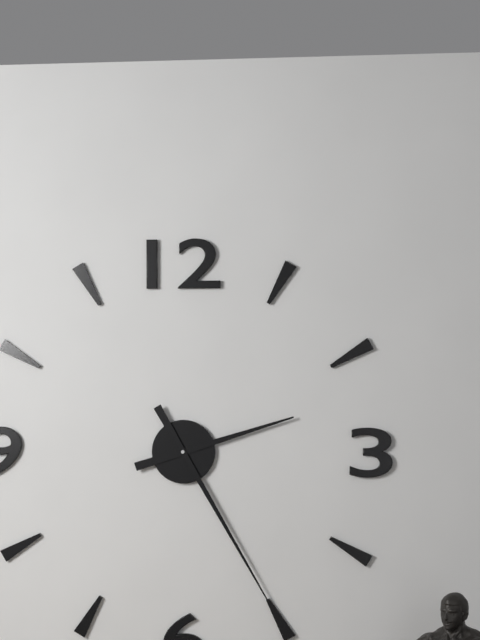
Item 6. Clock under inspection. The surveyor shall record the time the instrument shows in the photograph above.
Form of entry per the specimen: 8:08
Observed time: 2:25
